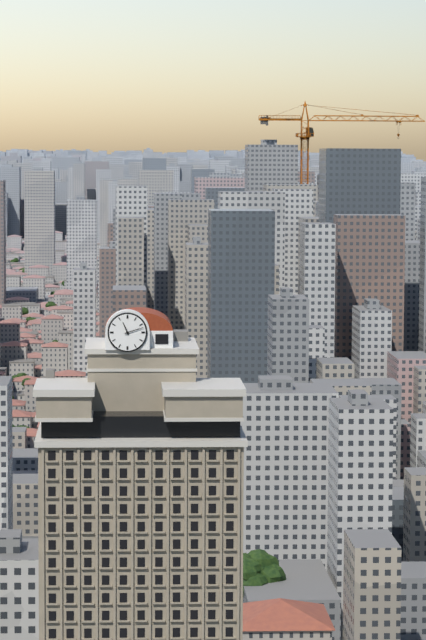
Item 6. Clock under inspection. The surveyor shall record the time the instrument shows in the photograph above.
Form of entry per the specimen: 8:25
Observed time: 11:12
